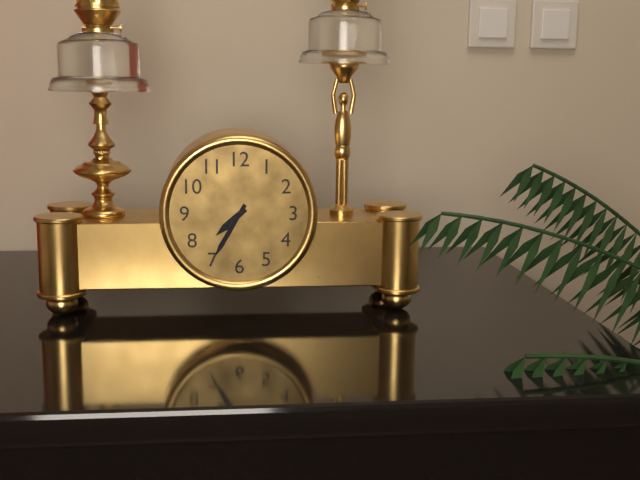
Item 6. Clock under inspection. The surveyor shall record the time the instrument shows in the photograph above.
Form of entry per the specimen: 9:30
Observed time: 7:35
